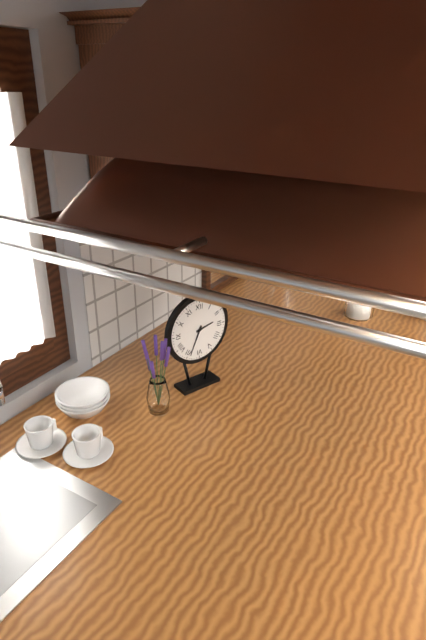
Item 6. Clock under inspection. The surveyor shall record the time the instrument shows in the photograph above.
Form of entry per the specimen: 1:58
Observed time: 2:34
